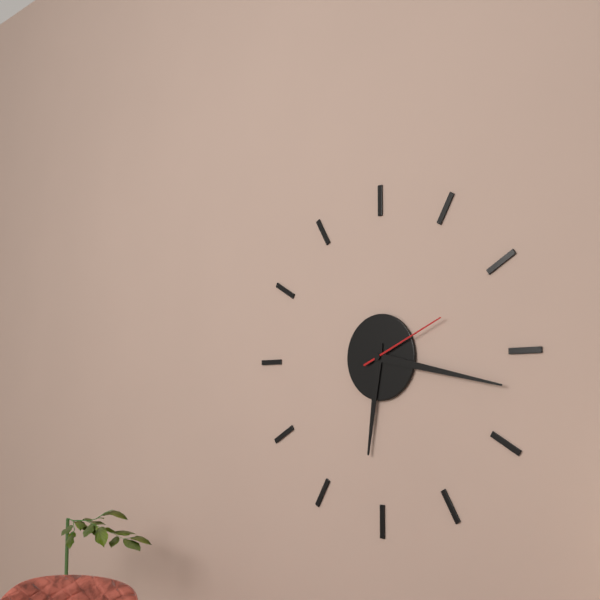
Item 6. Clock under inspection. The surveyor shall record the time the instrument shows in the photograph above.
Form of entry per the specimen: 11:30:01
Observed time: 6:17:11
